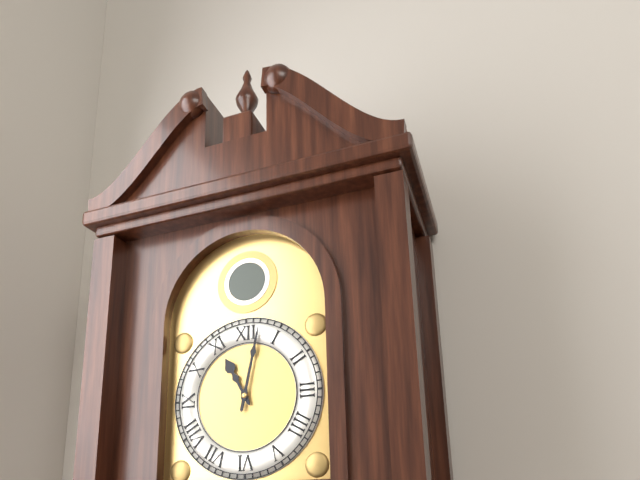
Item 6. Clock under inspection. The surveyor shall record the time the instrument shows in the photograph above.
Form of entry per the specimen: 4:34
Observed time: 11:02
